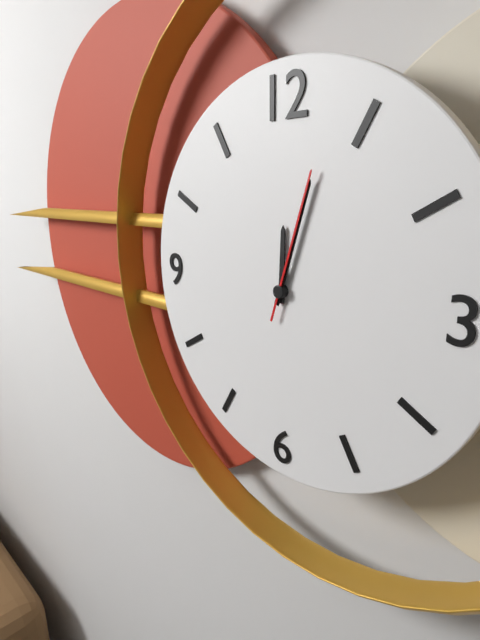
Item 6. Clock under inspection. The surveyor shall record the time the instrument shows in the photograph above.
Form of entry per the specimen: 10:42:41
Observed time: 12:03:03
